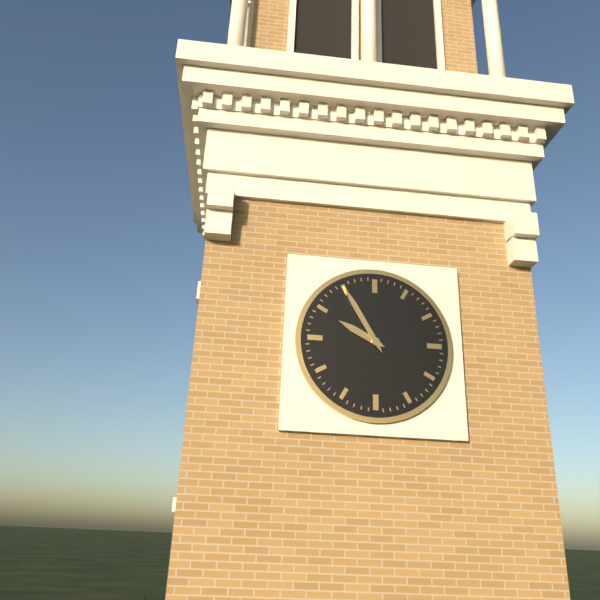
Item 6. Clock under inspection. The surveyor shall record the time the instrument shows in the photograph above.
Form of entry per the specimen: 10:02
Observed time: 9:55
